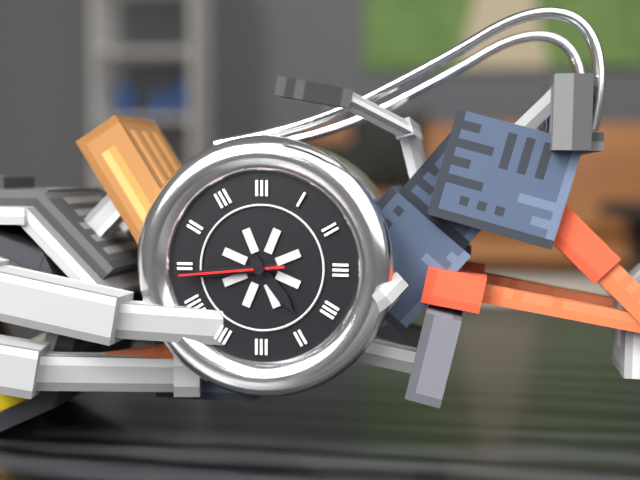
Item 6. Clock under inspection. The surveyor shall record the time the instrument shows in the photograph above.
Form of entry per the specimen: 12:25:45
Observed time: 4:44:44
